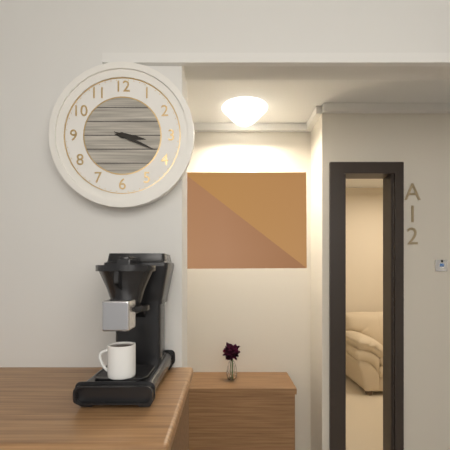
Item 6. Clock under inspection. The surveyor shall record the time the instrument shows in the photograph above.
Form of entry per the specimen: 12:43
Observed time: 3:19
